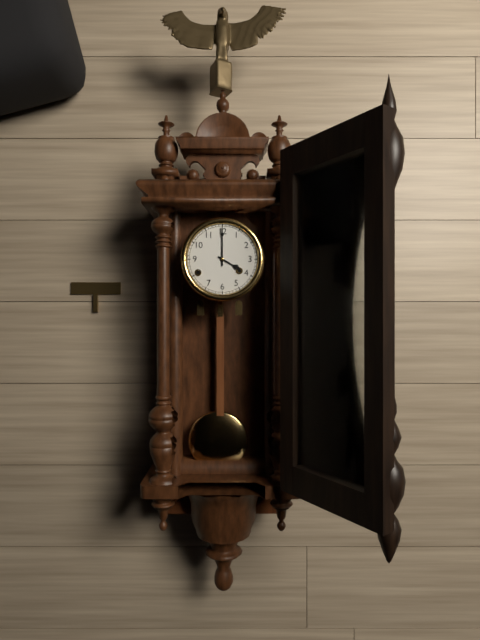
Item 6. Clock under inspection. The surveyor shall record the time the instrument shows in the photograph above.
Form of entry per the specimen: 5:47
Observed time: 4:00
